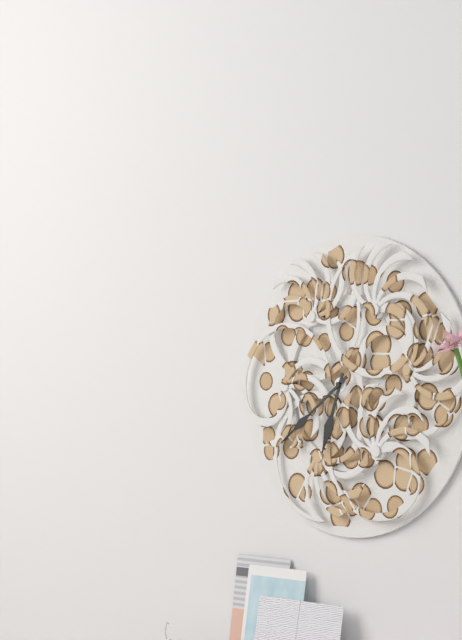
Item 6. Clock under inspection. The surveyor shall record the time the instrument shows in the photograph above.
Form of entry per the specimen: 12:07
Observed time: 6:39
